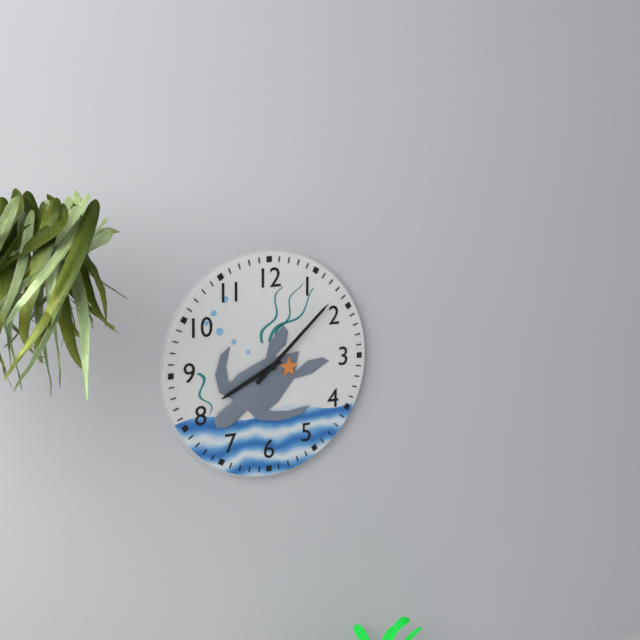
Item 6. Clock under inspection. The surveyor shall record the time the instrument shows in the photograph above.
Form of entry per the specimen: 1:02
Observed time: 8:08
